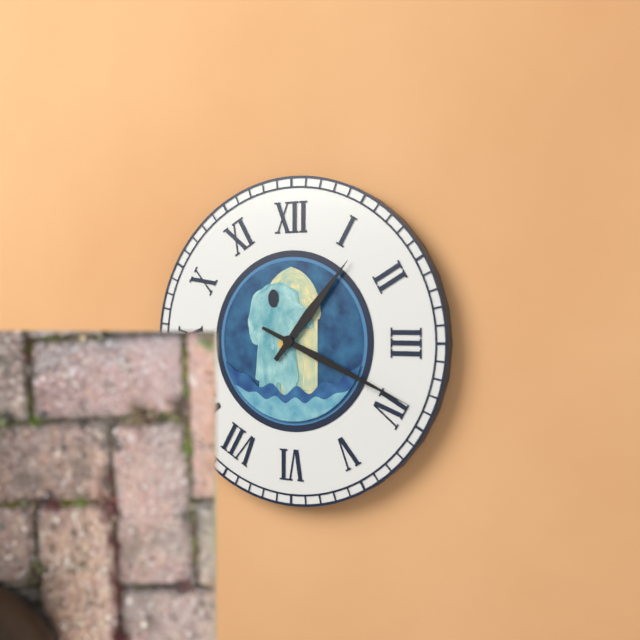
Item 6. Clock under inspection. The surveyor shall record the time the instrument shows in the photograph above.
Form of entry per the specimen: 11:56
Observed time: 1:19
